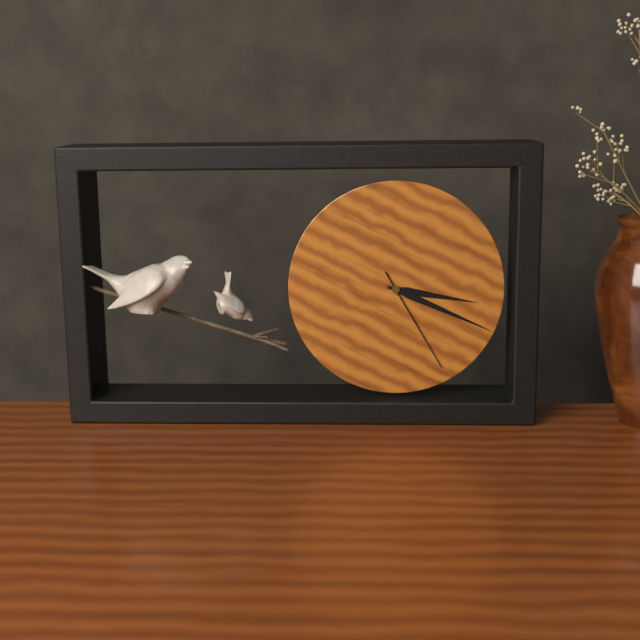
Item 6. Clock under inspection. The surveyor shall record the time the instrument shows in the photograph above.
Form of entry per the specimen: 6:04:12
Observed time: 3:19:25
